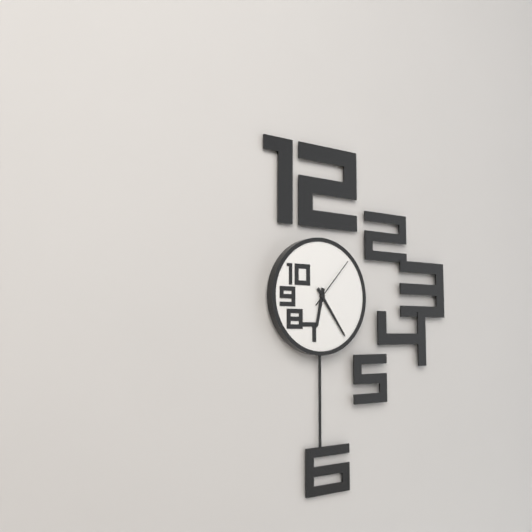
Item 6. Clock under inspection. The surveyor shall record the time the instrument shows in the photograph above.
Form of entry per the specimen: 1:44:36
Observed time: 6:24:07
